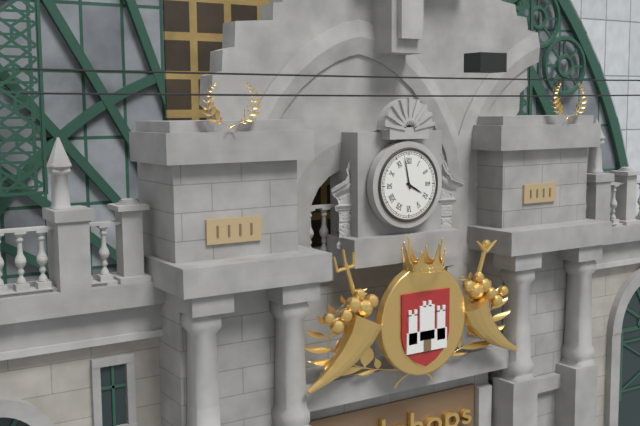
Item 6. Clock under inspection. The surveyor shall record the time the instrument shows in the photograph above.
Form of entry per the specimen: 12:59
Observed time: 3:58
